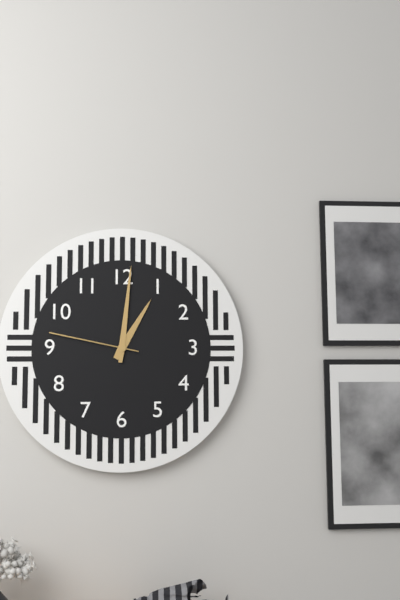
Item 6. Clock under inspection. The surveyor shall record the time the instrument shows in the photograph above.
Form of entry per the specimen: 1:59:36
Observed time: 1:01:47
